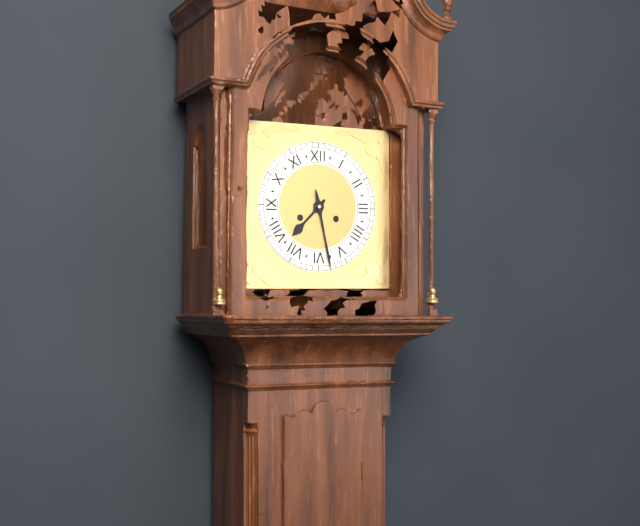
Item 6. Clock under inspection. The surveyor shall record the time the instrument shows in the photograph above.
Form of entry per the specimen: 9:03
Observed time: 7:28
